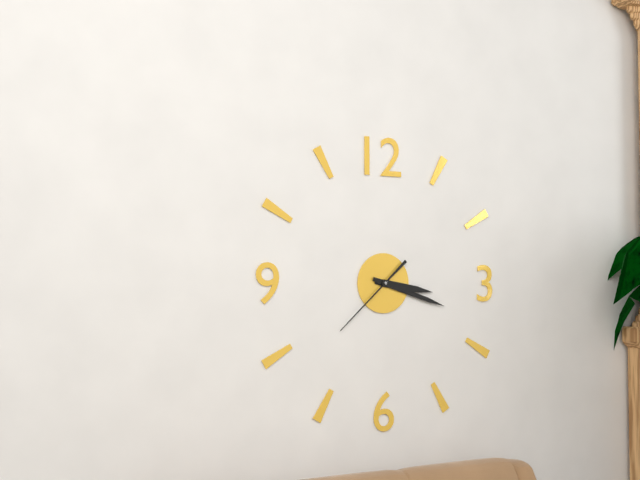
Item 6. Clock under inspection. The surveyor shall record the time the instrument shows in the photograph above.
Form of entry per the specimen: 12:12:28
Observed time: 3:18:38
